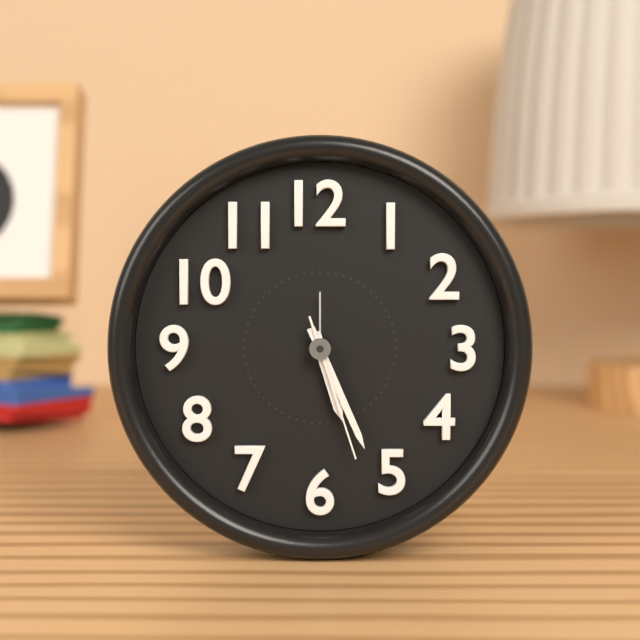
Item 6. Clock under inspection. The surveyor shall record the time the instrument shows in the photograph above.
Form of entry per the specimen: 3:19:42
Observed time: 5:26:27
